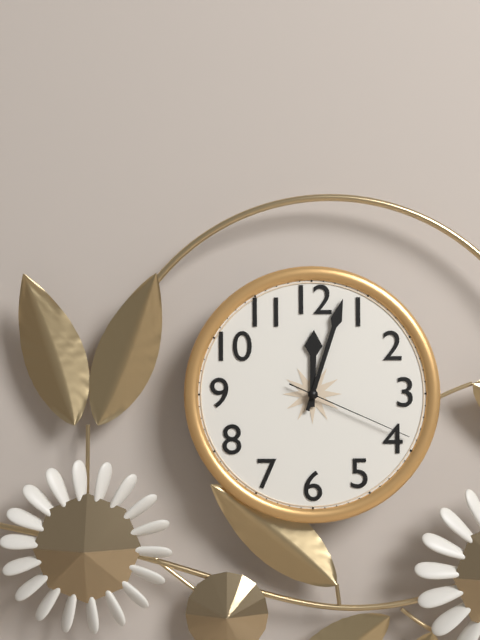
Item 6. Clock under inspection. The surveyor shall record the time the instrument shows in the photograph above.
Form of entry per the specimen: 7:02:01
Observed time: 12:03:19
